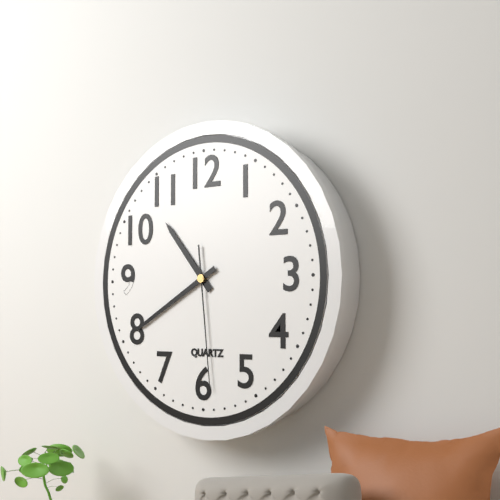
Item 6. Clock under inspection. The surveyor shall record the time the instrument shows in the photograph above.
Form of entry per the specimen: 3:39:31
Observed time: 10:40:29
